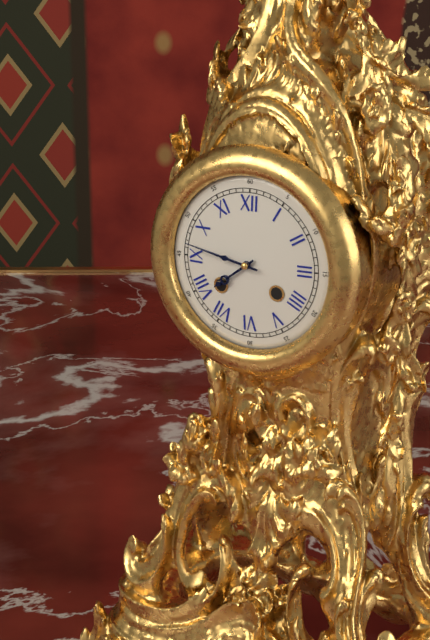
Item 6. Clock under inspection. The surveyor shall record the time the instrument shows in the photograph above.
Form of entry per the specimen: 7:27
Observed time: 7:47
